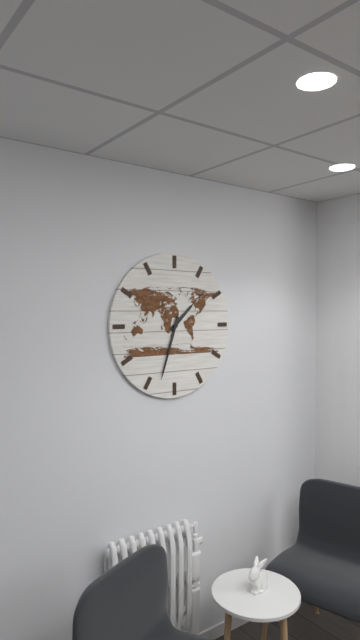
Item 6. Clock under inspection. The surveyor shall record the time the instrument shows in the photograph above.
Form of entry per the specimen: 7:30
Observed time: 1:33
